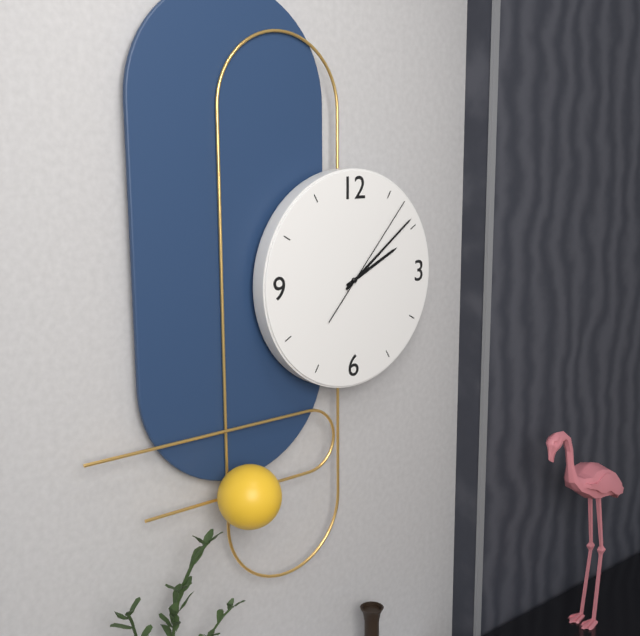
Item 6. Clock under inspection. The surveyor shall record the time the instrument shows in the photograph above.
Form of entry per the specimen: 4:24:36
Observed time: 2:09:07
